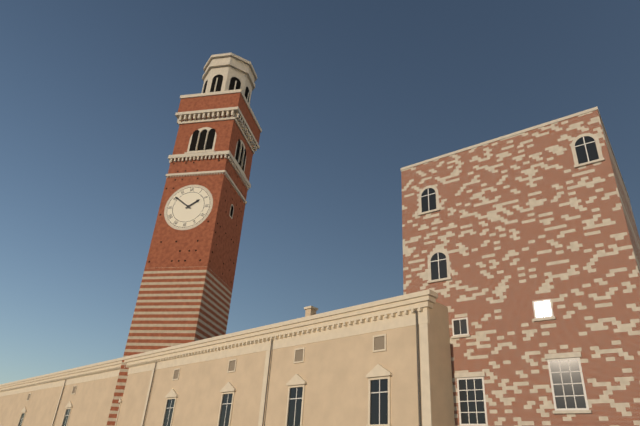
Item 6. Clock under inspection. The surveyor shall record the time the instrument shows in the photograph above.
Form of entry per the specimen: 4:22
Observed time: 1:51
